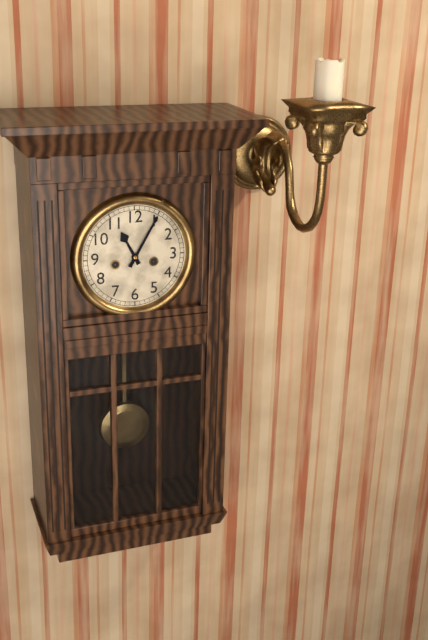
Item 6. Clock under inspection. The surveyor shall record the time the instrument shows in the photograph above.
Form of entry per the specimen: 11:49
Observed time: 11:05
